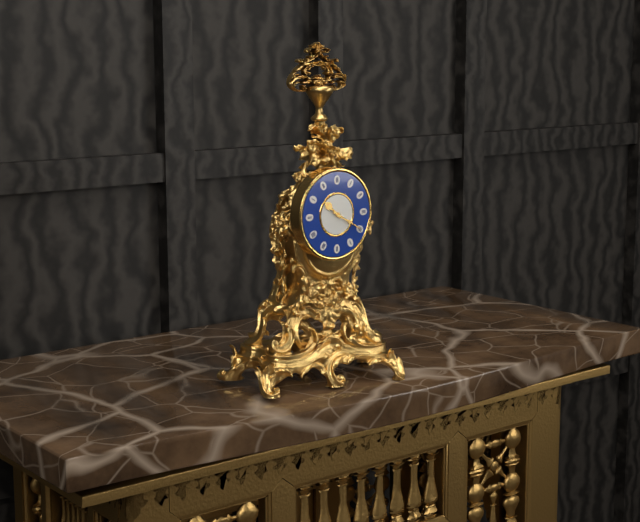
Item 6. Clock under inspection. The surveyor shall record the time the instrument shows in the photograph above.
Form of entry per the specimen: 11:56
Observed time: 10:20
